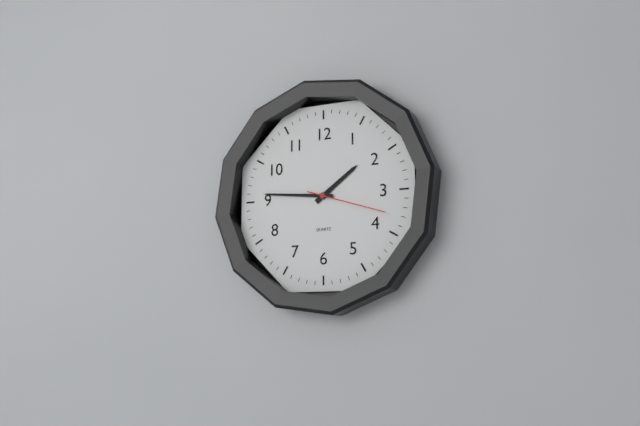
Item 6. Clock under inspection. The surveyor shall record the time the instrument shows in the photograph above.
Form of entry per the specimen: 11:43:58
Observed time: 1:46:18
